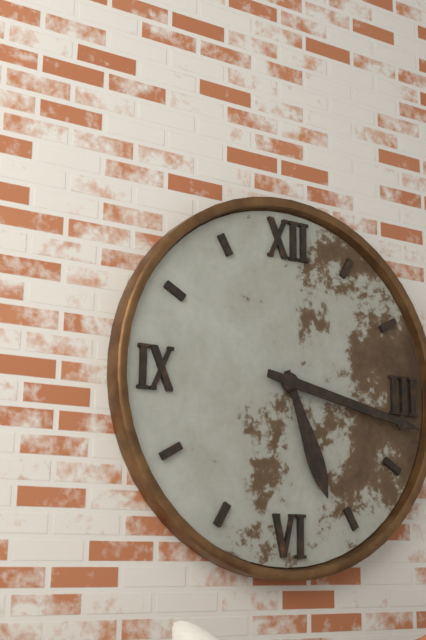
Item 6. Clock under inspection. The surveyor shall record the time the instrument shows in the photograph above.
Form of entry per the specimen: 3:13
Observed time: 5:17
